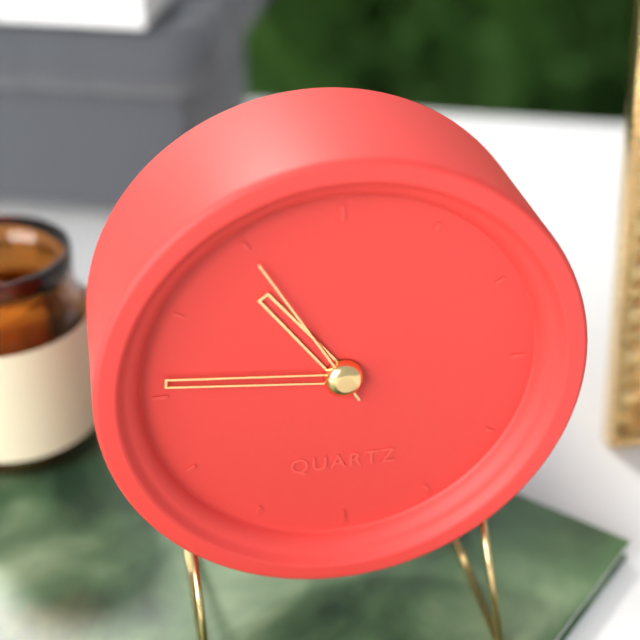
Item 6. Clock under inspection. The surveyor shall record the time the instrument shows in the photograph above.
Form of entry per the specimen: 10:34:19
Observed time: 10:46:55
